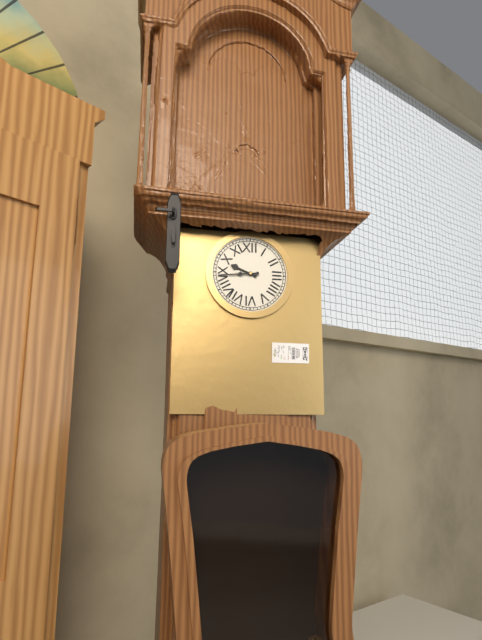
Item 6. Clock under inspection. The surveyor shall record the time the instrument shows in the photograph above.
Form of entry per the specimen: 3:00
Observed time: 9:44
